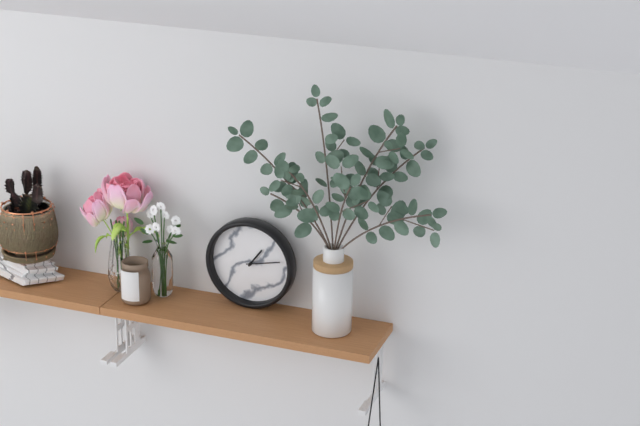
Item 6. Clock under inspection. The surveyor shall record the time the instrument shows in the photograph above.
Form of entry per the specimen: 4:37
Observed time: 1:13
